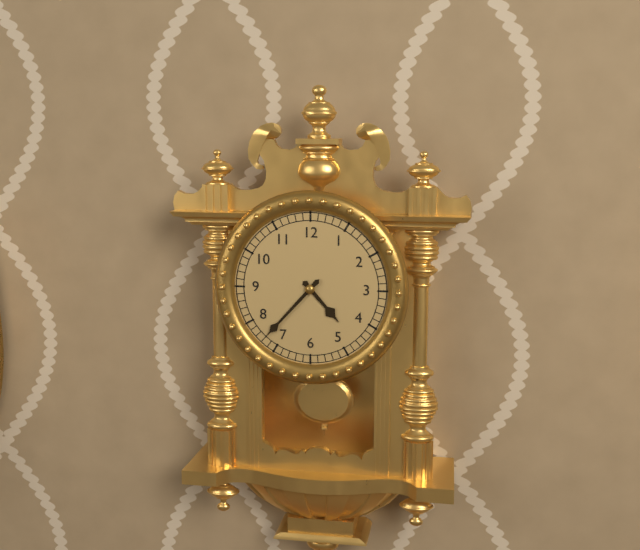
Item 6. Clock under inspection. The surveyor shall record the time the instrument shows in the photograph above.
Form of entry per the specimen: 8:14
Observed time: 4:37
